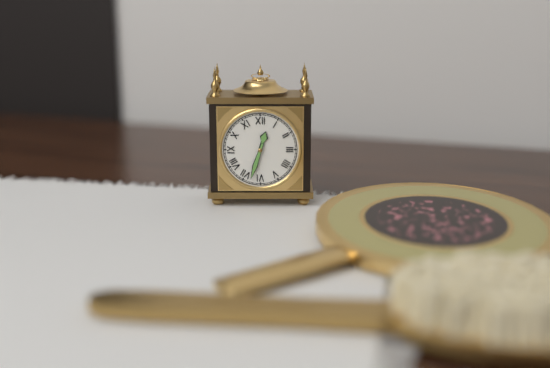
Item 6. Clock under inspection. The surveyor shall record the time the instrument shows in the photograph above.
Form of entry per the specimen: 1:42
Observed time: 12:33
